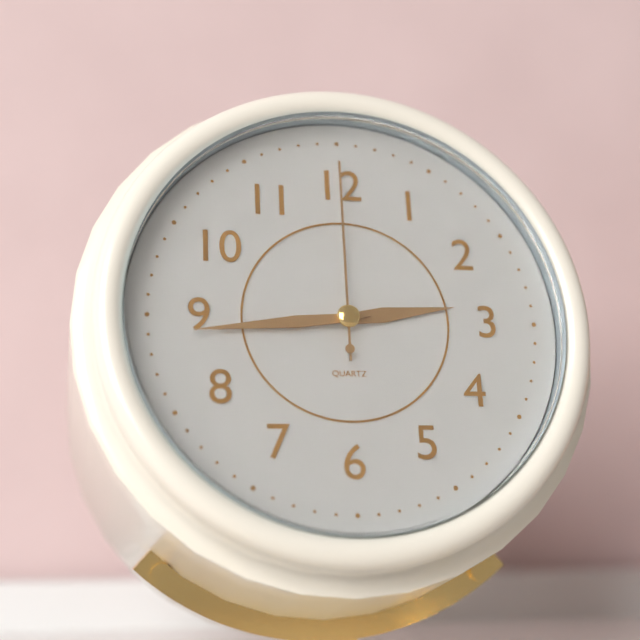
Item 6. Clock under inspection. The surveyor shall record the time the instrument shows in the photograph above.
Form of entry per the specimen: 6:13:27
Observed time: 2:44:00
